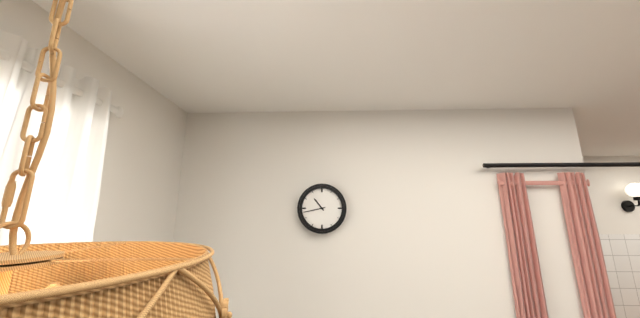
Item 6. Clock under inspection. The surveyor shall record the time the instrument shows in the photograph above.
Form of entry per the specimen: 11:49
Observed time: 10:43
